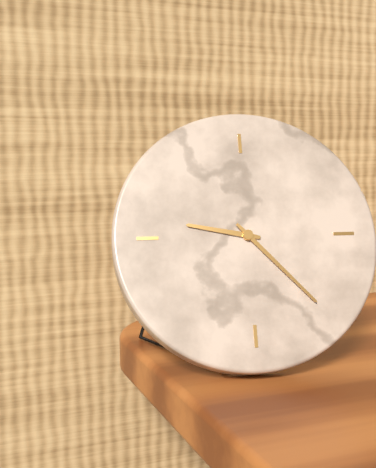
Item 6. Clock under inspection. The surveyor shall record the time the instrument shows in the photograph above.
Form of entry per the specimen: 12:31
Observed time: 9:23
